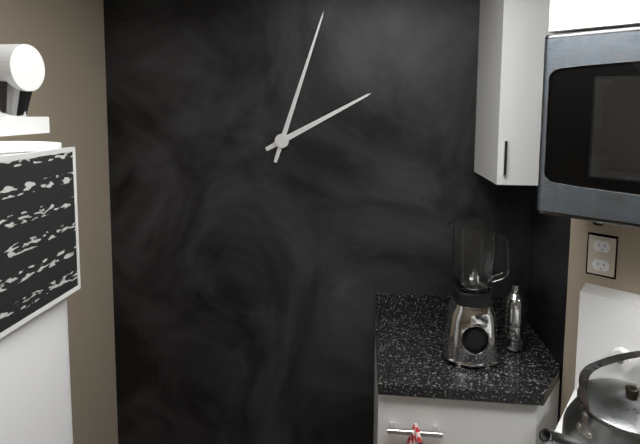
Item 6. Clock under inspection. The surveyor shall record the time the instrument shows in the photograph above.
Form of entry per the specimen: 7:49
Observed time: 2:03
